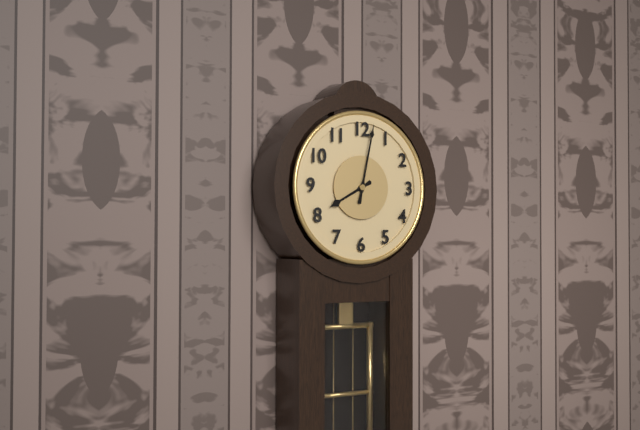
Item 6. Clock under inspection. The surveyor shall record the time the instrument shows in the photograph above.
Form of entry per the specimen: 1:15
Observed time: 8:02
